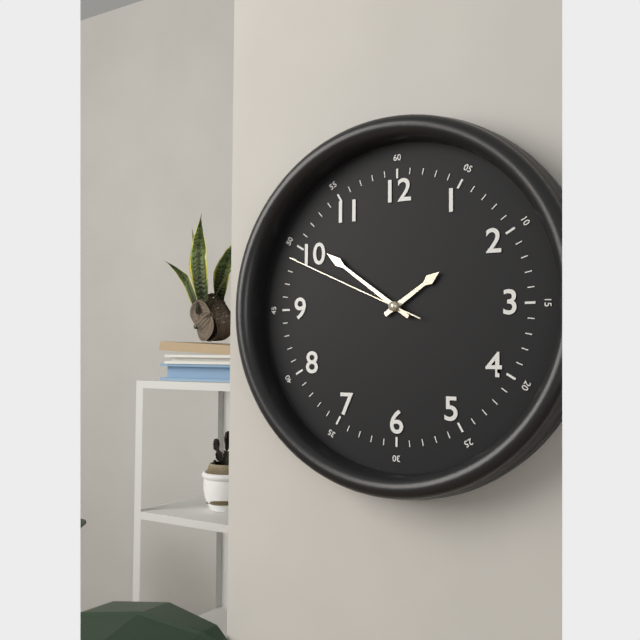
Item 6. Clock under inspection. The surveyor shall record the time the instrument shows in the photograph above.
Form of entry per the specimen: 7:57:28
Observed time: 1:51:49
